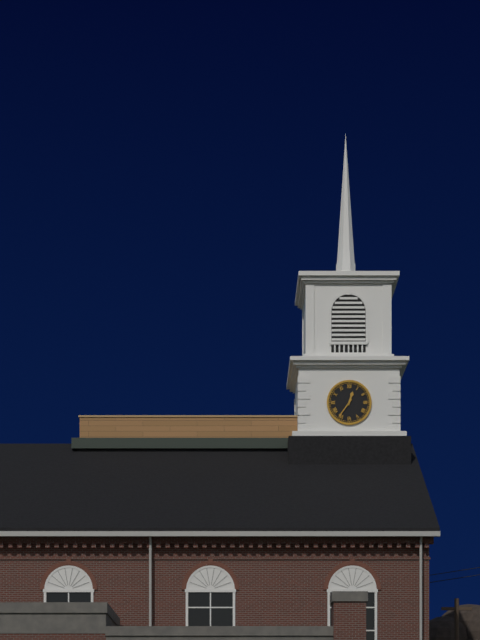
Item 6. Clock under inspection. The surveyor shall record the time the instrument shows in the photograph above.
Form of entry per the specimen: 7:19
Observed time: 12:36
